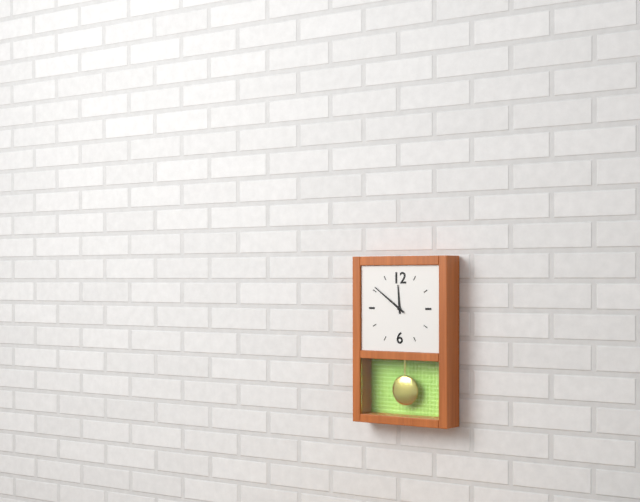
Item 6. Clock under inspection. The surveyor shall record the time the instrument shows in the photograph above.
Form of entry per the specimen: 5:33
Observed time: 11:51
